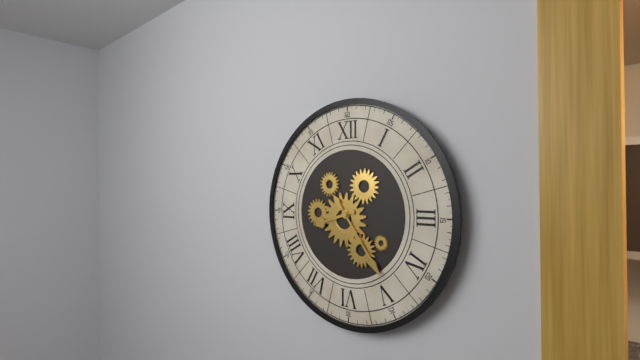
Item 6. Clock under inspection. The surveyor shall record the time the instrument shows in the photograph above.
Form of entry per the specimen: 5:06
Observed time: 8:24
